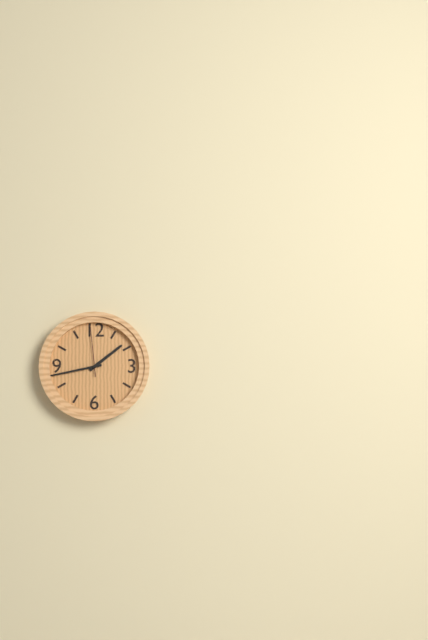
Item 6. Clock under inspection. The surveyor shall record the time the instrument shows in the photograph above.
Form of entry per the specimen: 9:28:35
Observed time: 1:43:59
